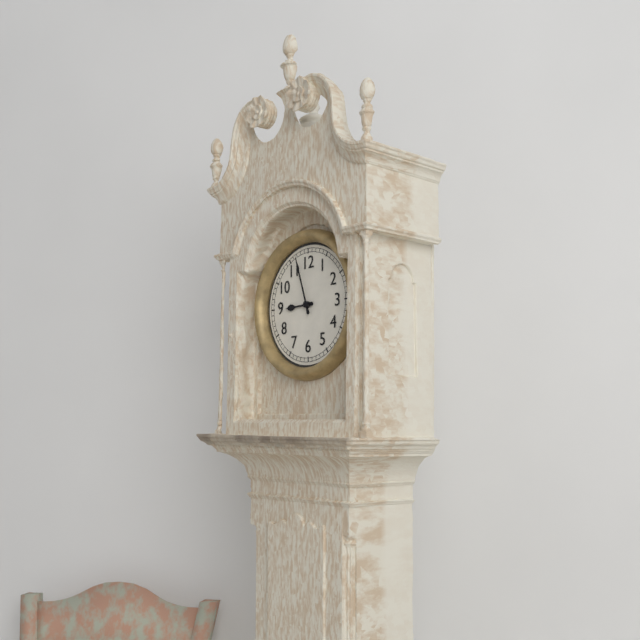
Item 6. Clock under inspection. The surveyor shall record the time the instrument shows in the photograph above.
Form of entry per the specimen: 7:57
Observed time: 8:57
